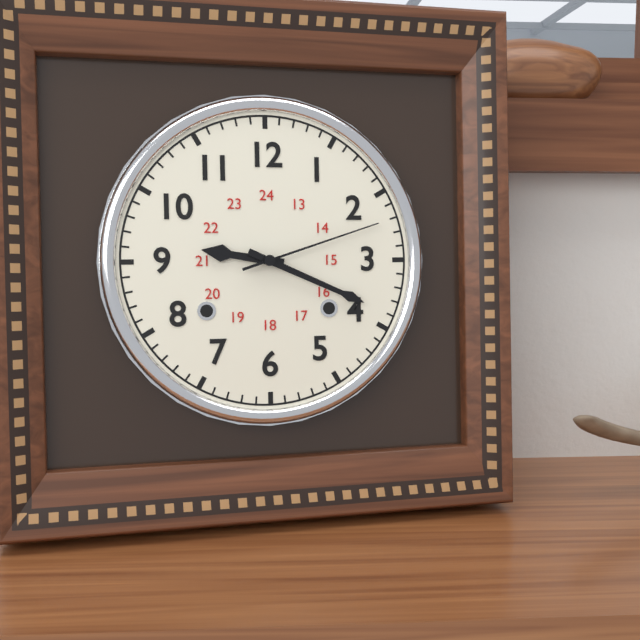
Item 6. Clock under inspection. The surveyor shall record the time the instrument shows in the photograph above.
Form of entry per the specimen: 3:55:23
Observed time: 9:19:12
